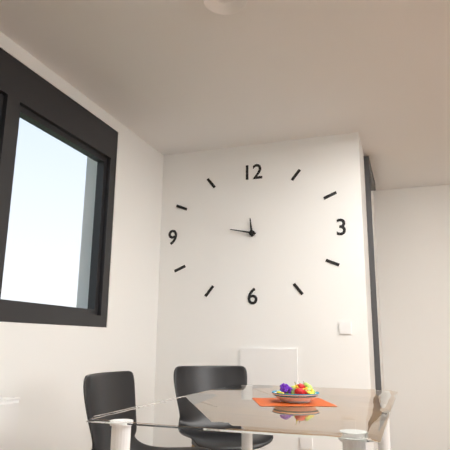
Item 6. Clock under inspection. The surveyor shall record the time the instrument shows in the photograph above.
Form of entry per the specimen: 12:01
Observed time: 11:47
